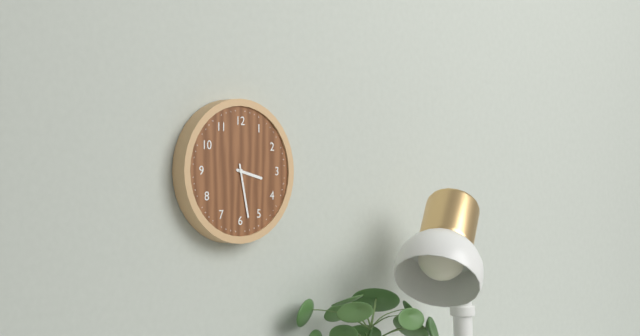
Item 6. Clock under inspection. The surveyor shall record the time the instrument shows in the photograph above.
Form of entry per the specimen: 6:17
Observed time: 3:28
